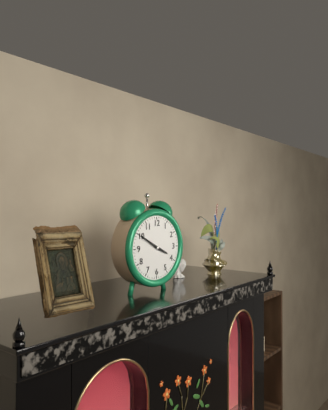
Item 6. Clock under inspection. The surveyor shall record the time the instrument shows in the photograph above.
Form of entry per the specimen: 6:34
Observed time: 3:50
